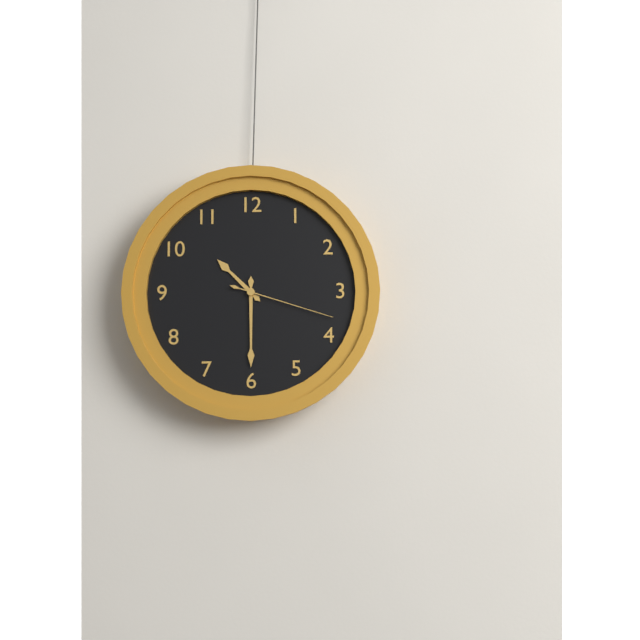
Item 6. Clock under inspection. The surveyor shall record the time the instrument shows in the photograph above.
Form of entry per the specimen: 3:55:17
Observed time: 10:30:18
